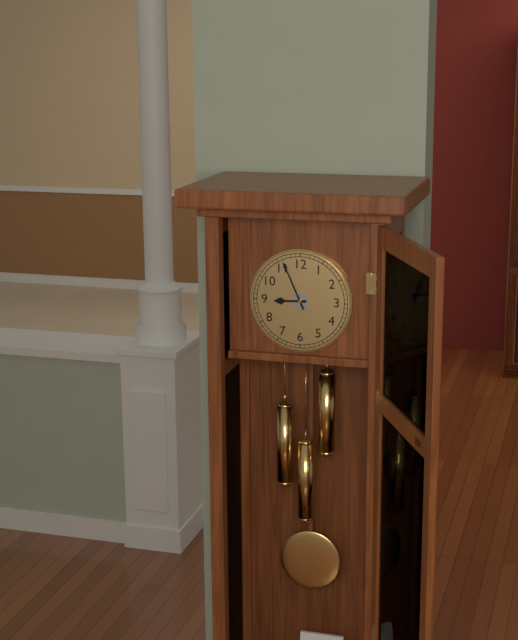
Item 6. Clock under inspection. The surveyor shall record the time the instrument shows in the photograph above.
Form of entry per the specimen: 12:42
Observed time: 8:56
